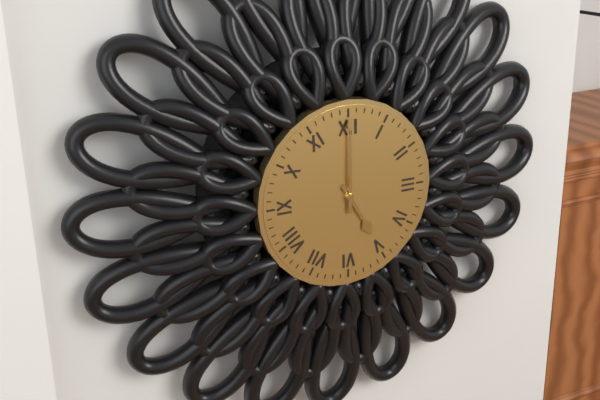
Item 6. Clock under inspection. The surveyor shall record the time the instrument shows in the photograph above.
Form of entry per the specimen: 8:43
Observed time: 5:00
